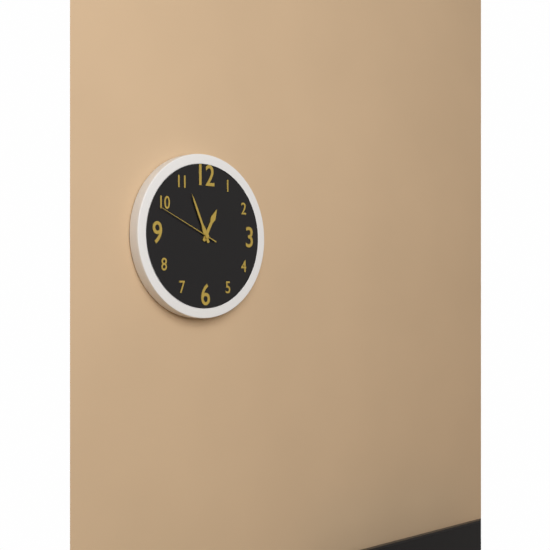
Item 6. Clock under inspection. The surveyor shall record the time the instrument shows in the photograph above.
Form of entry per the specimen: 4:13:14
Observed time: 12:56:49
